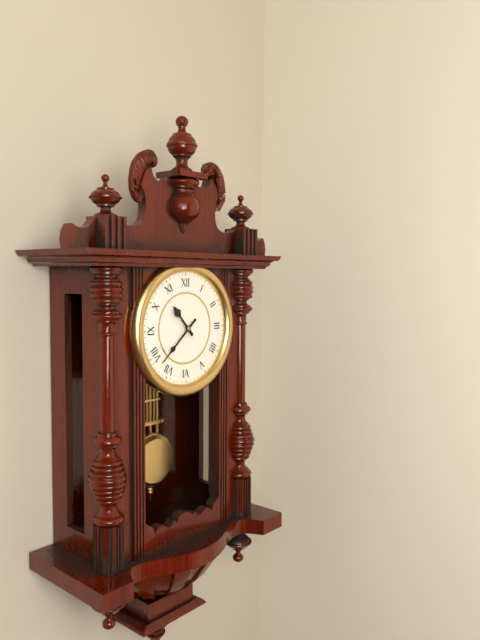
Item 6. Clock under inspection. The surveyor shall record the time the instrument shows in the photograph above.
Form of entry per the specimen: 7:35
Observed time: 10:38
